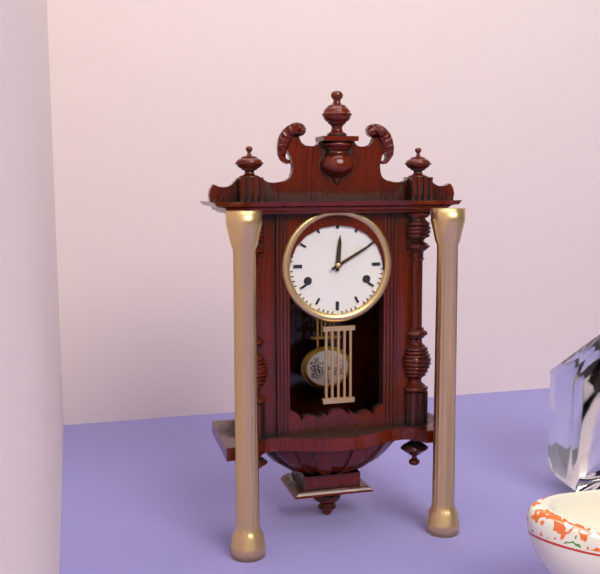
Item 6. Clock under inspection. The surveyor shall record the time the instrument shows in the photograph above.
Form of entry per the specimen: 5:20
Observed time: 12:10
